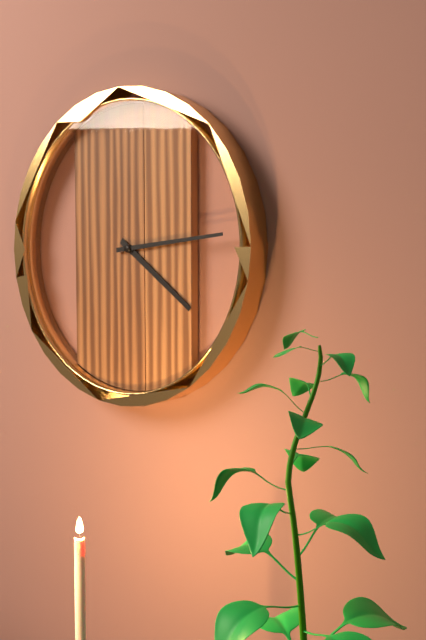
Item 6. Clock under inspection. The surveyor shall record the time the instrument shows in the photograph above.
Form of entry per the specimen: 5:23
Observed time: 4:14
